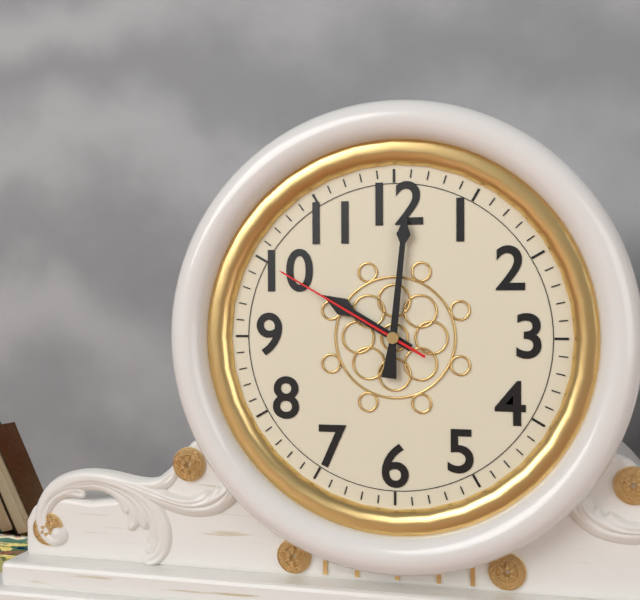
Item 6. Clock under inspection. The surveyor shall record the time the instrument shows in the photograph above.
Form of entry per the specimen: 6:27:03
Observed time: 10:01:50
